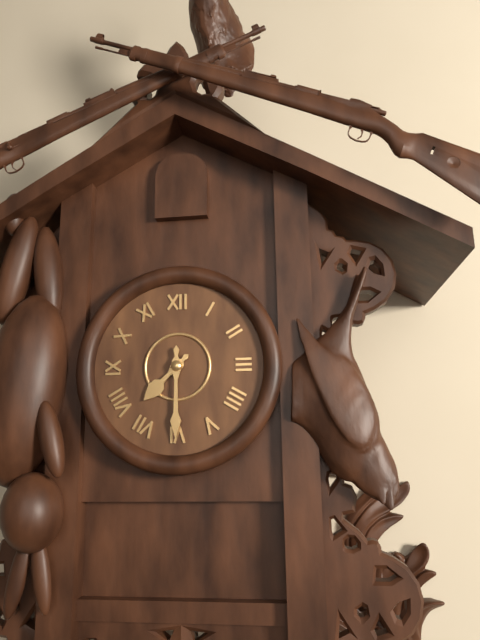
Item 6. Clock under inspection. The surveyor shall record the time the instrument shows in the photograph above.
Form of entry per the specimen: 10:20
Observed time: 7:30
